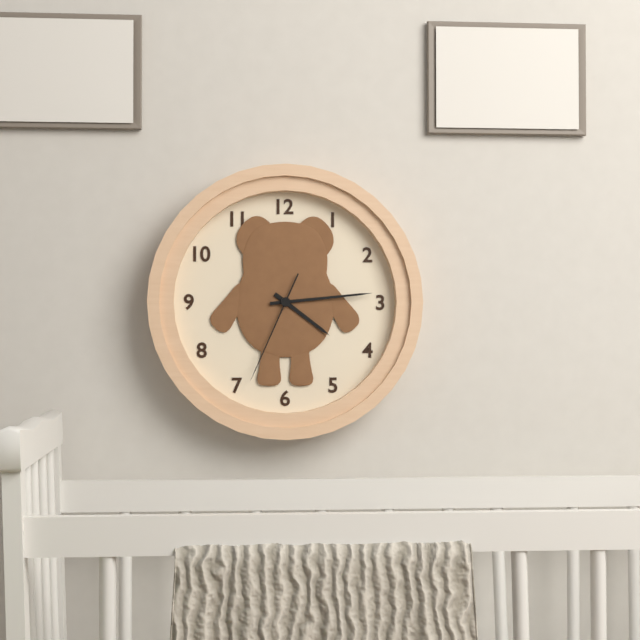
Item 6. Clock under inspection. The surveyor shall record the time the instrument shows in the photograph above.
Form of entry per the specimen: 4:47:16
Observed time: 4:14:34
